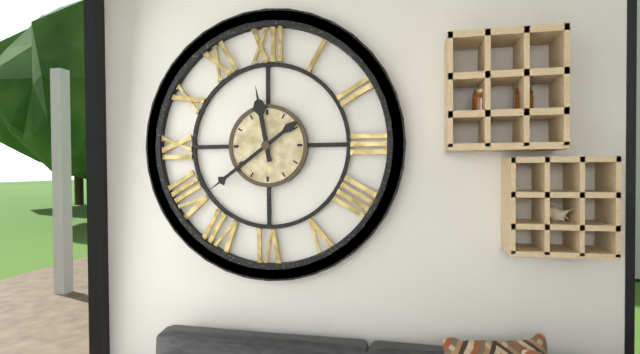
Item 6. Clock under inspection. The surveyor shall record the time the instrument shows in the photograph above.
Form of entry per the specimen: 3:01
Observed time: 11:39
